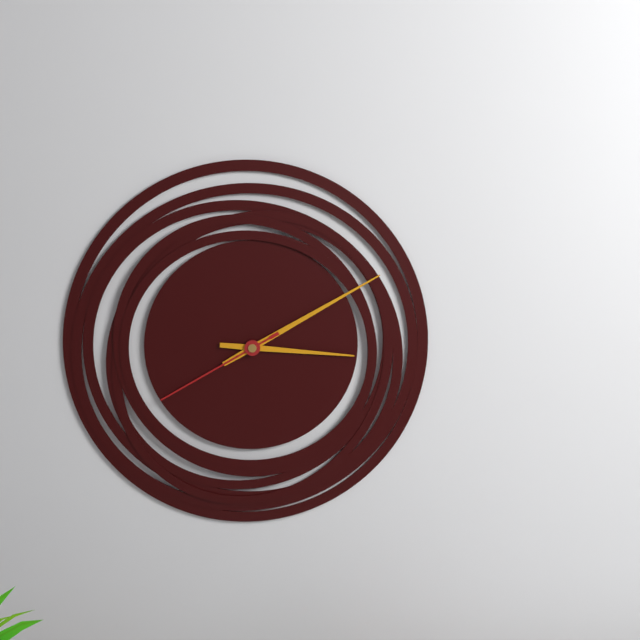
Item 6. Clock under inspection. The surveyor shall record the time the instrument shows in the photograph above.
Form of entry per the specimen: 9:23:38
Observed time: 3:10:40
